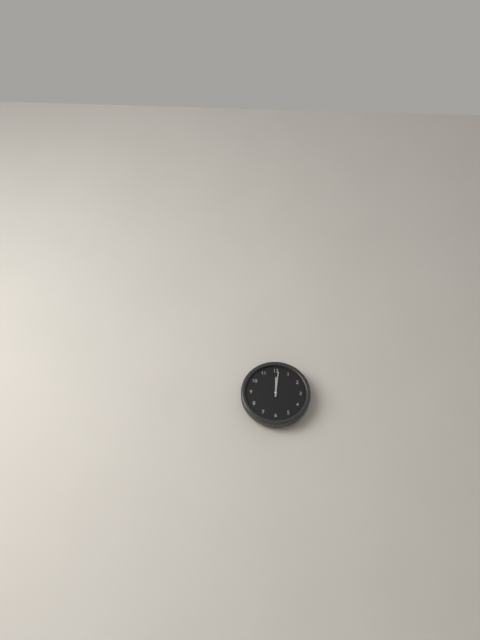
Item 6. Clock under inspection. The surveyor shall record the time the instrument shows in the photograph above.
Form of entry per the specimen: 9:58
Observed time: 12:01
